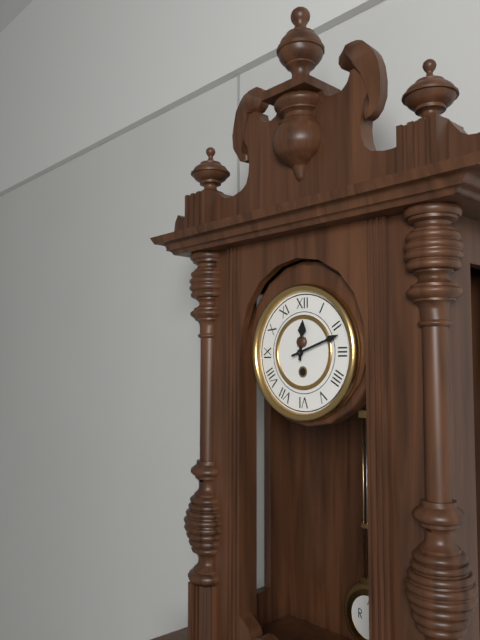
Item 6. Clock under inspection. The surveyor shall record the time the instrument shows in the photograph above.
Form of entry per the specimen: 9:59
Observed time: 12:12
